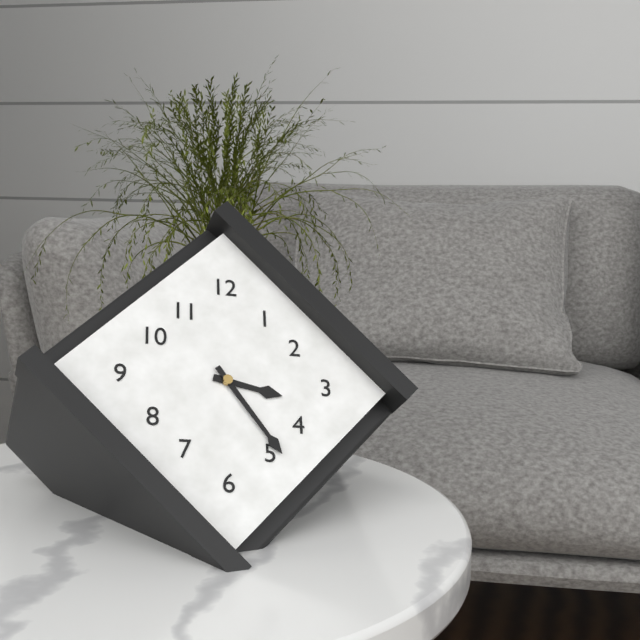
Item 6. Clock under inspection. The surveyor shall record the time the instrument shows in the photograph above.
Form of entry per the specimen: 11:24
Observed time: 3:24
